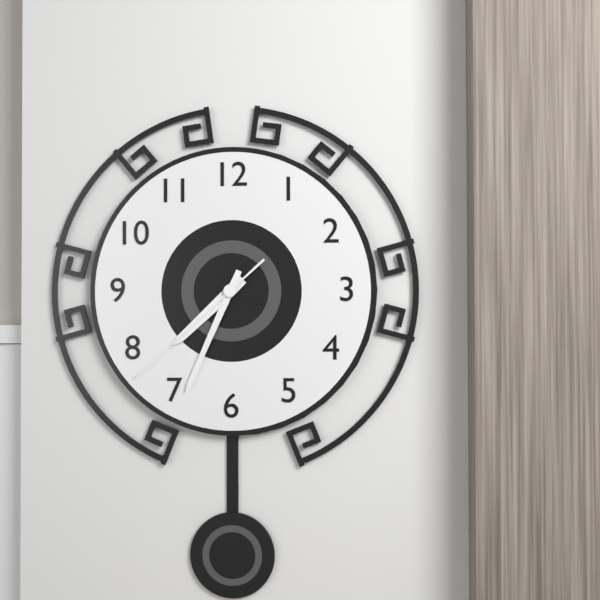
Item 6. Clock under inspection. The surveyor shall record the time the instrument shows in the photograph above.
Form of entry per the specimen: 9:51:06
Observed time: 7:34:38
